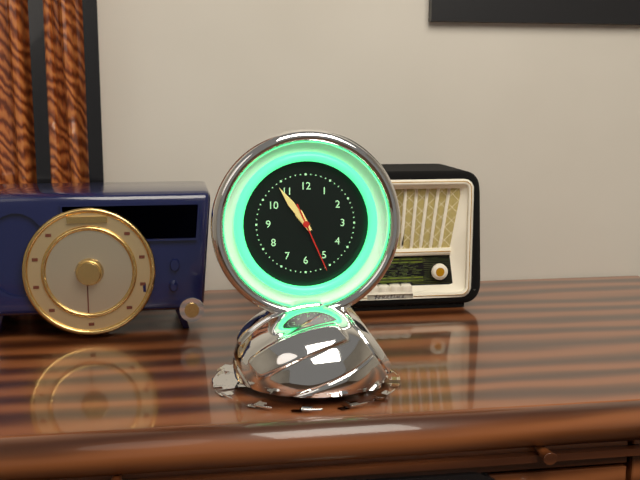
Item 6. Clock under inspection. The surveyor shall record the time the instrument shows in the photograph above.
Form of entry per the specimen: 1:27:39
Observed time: 10:54:26
